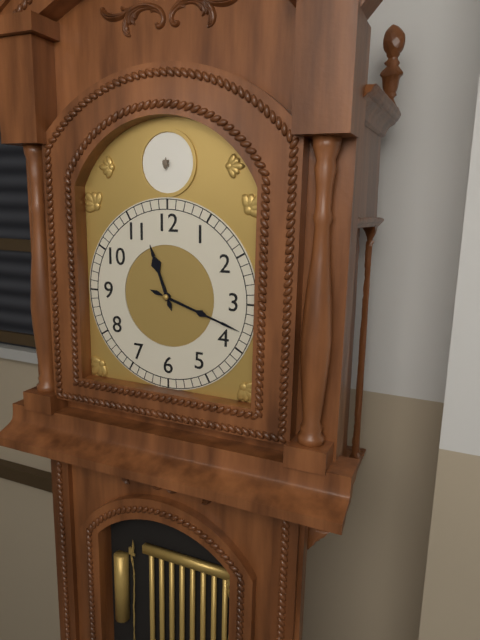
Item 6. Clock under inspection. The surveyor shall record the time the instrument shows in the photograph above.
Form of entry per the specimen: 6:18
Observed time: 11:18
